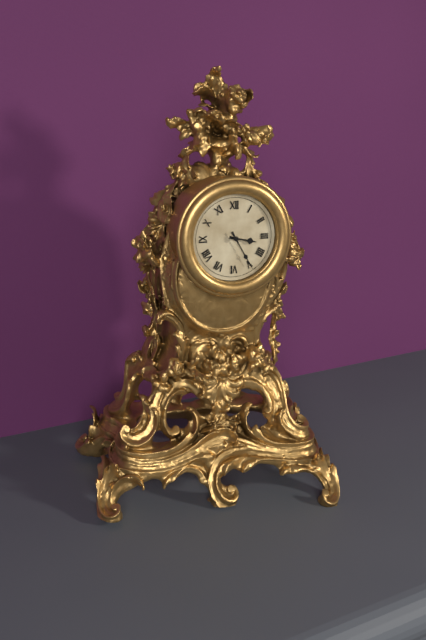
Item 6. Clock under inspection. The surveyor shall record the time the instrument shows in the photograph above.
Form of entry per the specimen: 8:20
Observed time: 3:25
